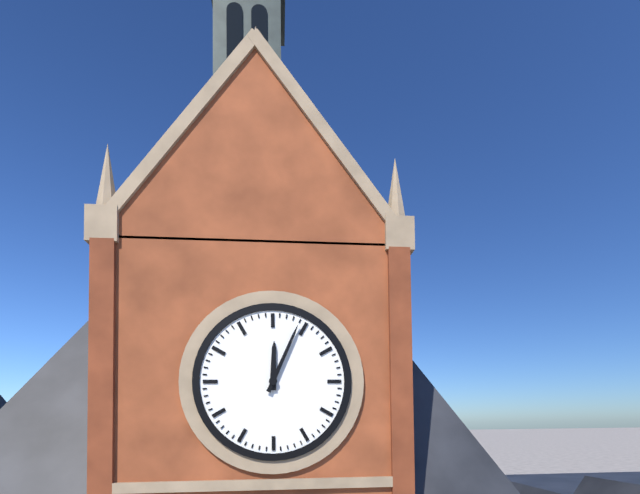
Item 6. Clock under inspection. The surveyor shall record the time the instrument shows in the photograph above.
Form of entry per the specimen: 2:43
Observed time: 12:04
